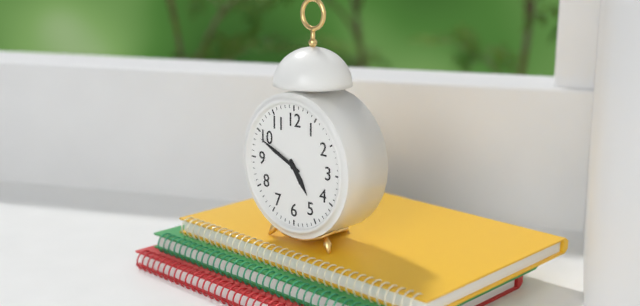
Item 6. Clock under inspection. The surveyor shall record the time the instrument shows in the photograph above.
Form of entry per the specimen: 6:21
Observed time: 4:49
